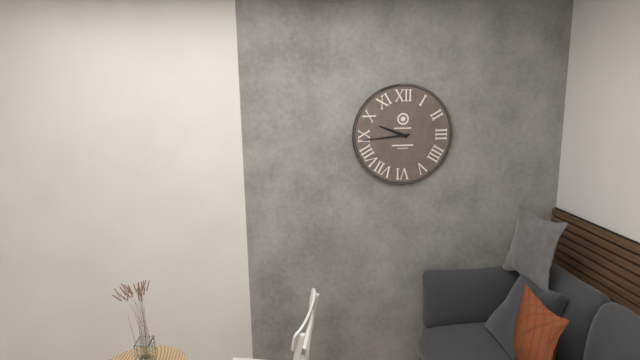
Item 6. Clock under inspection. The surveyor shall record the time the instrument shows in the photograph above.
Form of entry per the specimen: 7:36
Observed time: 9:44
